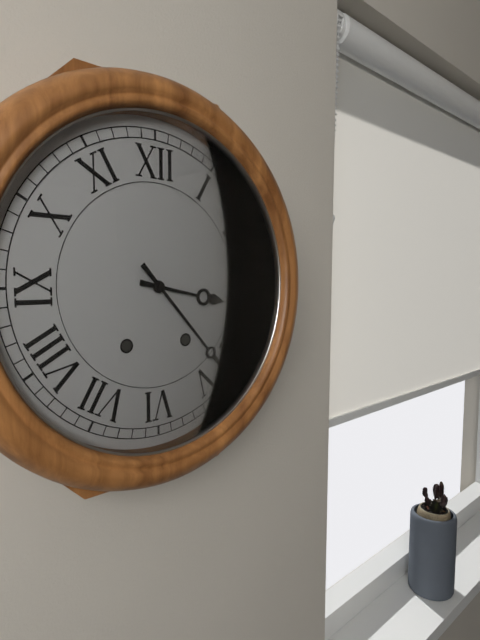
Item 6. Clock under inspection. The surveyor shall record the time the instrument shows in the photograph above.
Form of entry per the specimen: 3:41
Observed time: 3:23
